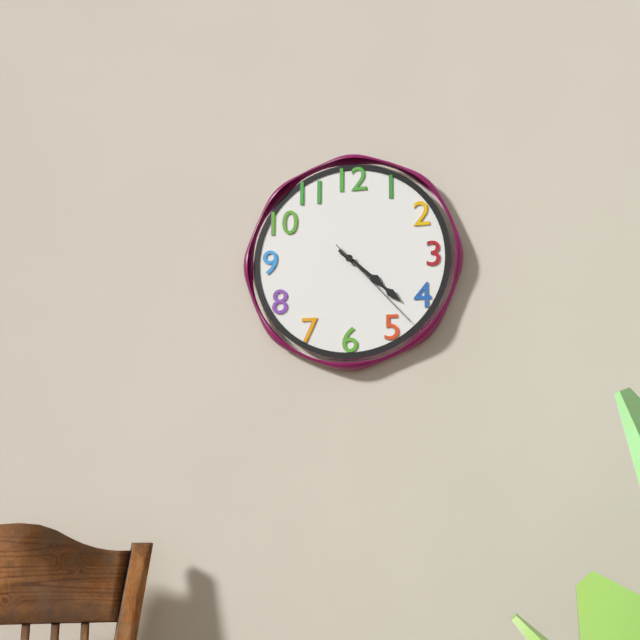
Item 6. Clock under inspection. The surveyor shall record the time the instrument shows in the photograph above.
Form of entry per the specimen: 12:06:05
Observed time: 4:22:23
